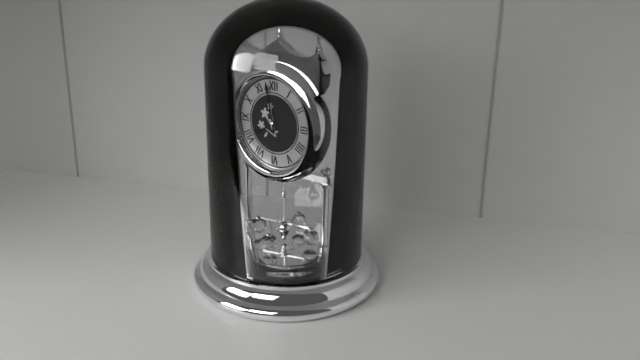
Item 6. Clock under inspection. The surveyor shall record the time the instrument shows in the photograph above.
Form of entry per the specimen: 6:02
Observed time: 7:58
